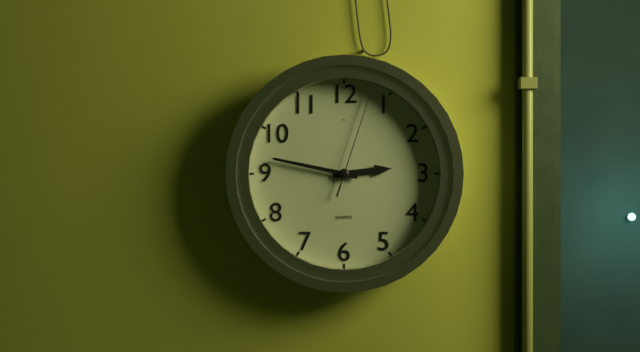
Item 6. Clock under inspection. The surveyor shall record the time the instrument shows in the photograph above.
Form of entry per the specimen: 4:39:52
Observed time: 2:47:03
